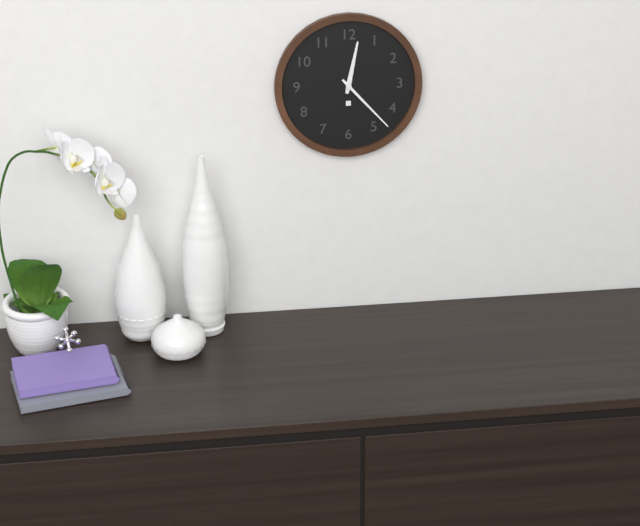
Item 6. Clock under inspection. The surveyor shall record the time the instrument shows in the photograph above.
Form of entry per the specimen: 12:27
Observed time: 12:23
